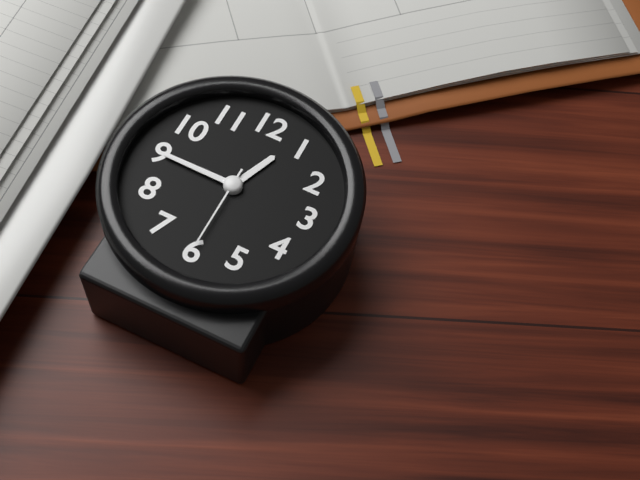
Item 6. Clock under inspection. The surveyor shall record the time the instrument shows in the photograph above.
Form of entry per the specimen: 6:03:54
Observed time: 12:45:30
